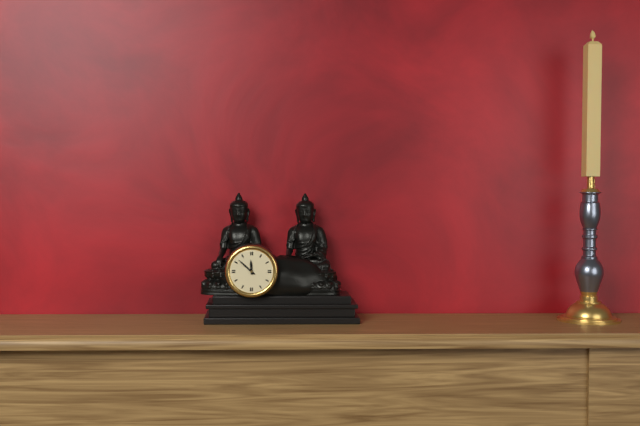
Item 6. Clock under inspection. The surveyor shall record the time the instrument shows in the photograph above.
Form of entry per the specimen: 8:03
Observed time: 11:52
